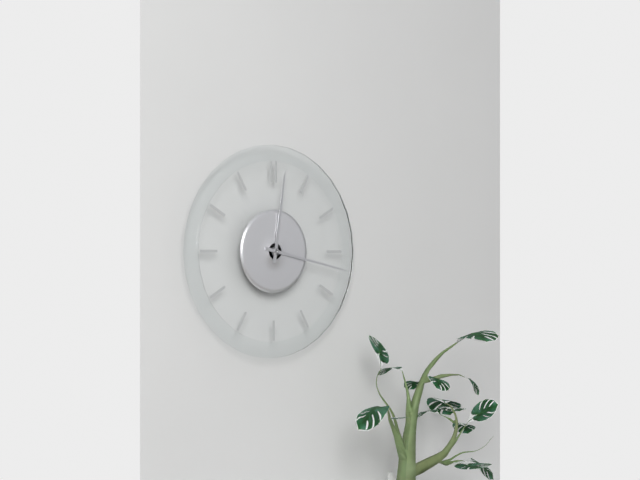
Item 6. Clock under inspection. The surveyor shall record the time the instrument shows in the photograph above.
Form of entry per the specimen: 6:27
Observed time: 12:17
